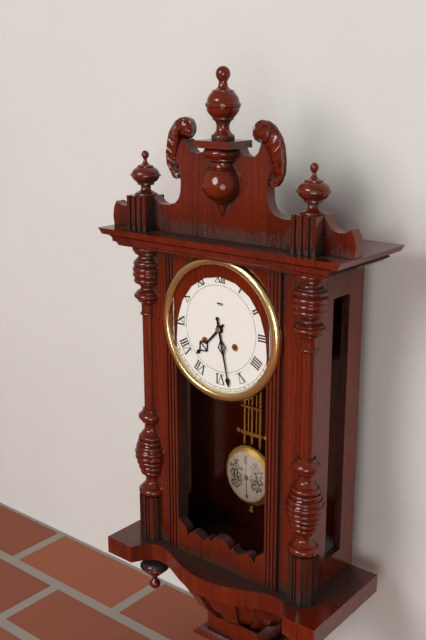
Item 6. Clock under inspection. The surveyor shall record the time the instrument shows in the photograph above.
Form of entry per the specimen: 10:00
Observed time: 7:28
